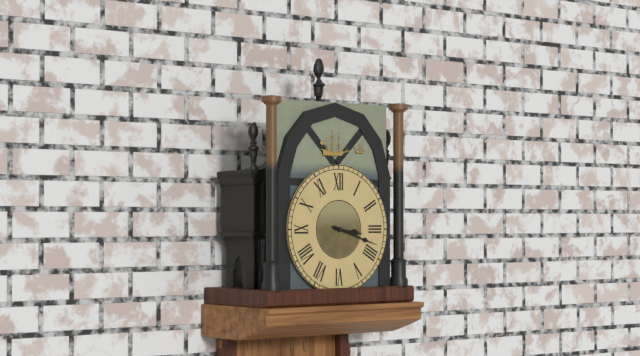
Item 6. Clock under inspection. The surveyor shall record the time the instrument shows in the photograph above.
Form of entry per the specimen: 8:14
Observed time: 3:18
